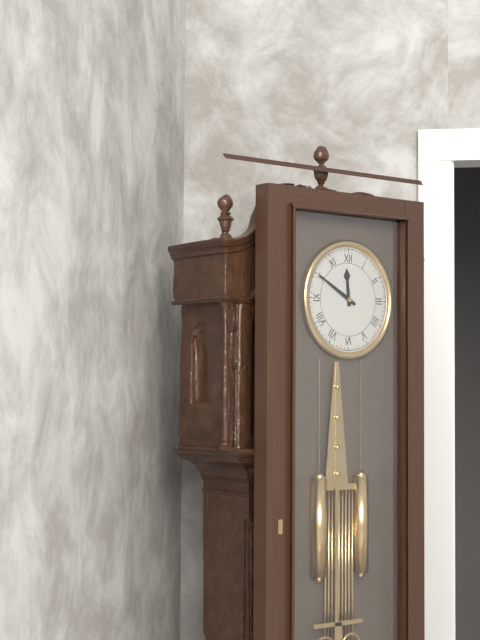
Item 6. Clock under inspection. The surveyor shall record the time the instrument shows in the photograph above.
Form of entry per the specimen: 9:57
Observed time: 11:50
